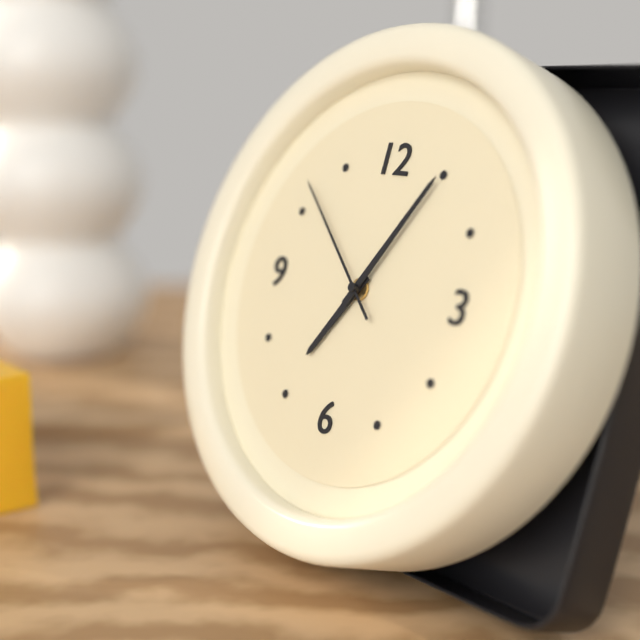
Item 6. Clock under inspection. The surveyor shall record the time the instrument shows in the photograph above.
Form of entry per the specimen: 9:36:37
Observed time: 7:05:52
